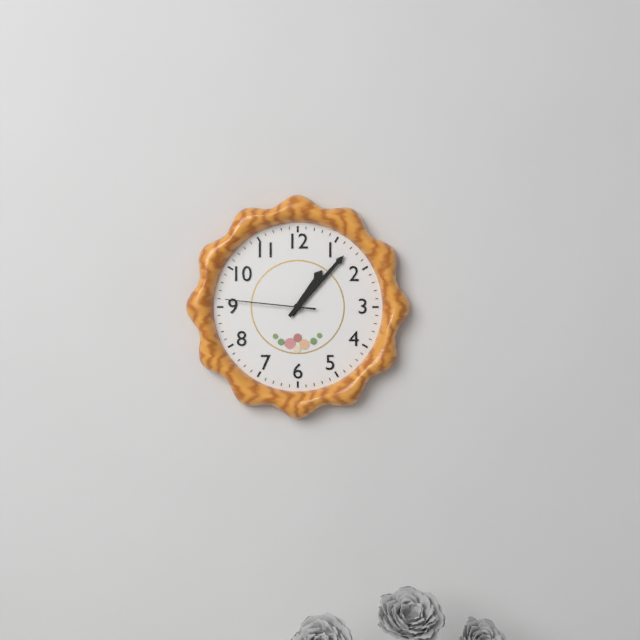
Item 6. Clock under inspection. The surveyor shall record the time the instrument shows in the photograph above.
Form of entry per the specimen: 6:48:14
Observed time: 1:07:46
